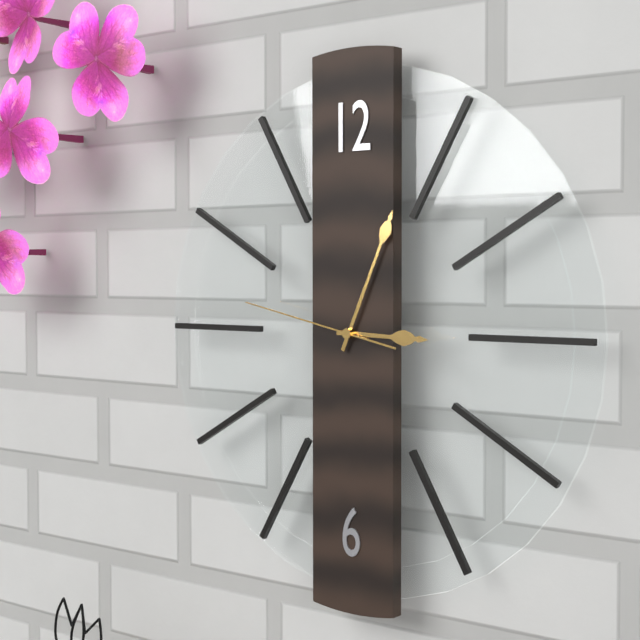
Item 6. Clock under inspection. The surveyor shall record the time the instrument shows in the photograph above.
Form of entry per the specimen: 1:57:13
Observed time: 3:04:47
